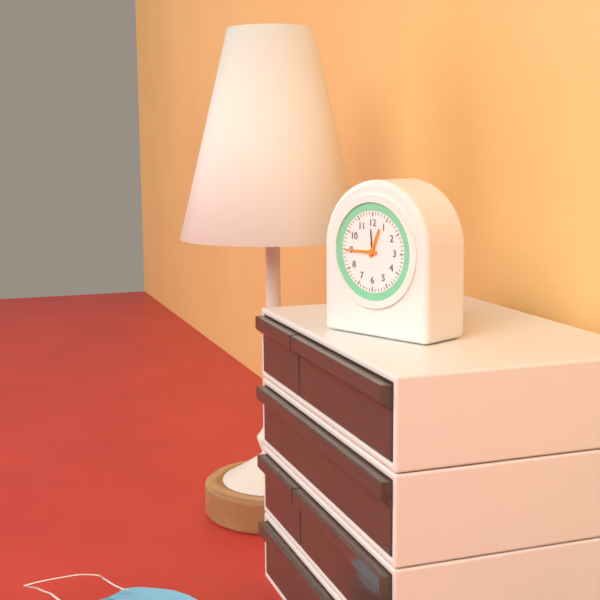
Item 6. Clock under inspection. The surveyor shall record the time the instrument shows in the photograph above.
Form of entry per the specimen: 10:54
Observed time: 12:45
